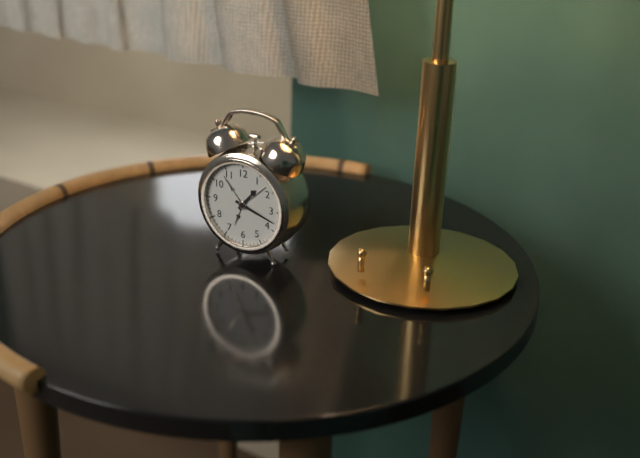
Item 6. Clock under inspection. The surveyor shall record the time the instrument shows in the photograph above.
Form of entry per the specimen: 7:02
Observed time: 1:18
